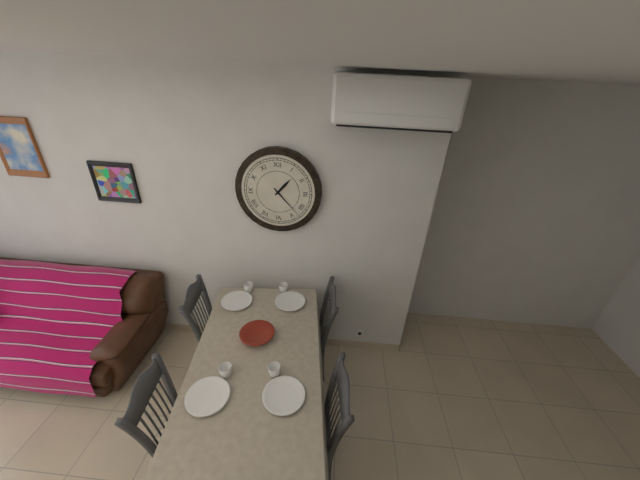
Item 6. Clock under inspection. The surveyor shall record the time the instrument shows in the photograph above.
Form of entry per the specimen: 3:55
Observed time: 1:23
